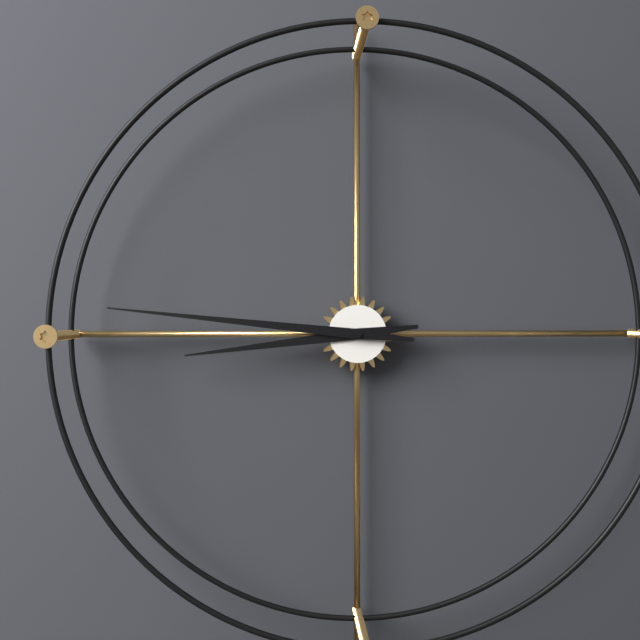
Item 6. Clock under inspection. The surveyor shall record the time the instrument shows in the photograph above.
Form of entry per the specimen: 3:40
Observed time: 8:46
